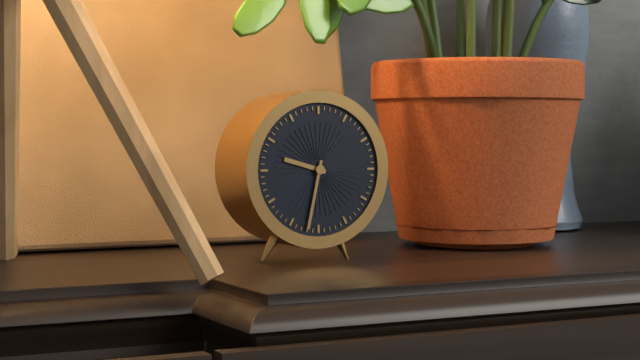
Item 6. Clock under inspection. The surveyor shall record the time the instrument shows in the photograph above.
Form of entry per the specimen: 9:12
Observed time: 9:32
